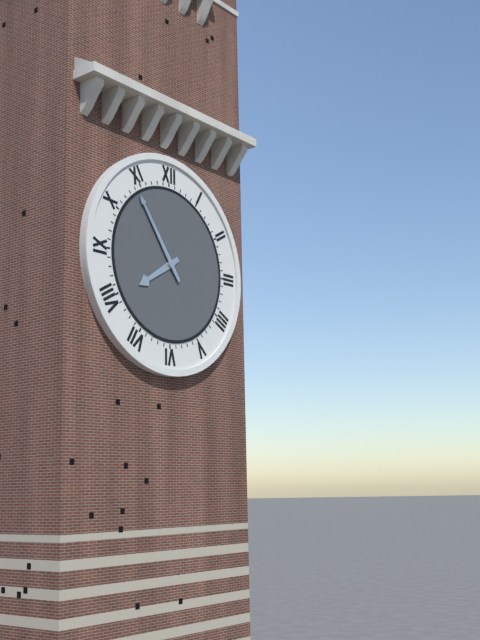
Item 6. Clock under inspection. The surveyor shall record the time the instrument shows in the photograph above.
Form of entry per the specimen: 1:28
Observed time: 7:54
